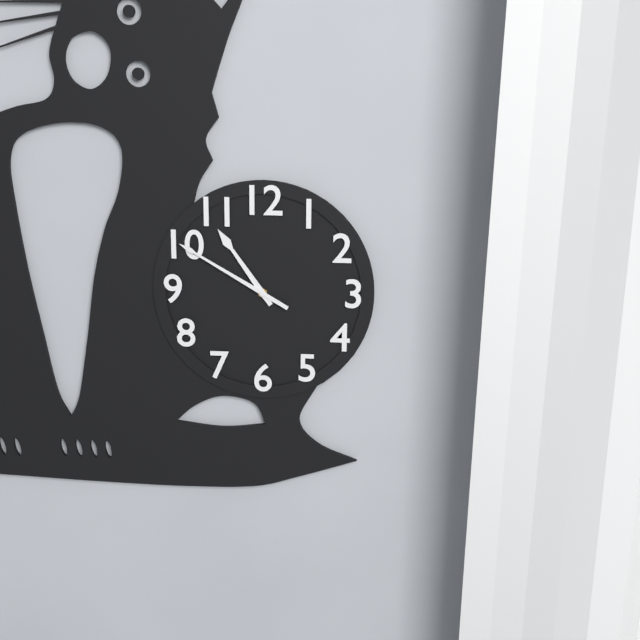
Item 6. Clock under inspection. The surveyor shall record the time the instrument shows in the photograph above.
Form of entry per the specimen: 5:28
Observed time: 10:50
